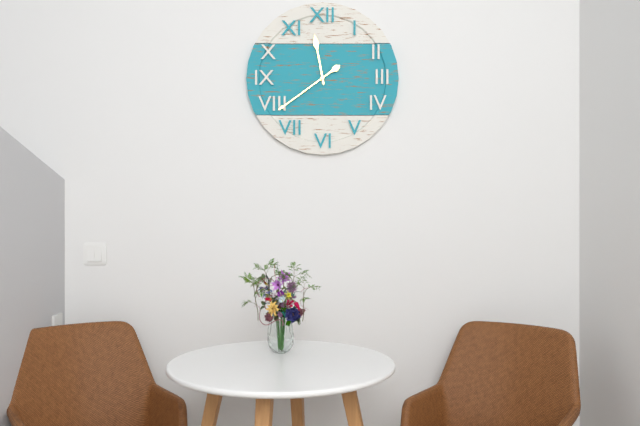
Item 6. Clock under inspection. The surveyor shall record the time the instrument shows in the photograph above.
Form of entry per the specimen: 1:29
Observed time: 11:39
